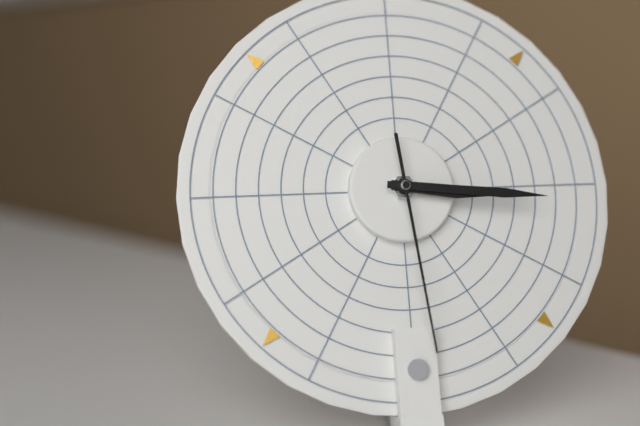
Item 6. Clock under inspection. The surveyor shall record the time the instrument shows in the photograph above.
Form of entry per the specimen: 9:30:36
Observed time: 3:16:29
